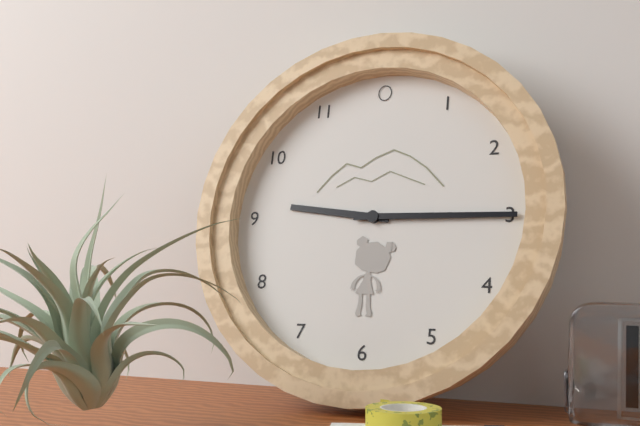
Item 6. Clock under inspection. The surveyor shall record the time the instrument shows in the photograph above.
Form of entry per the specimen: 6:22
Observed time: 9:15
